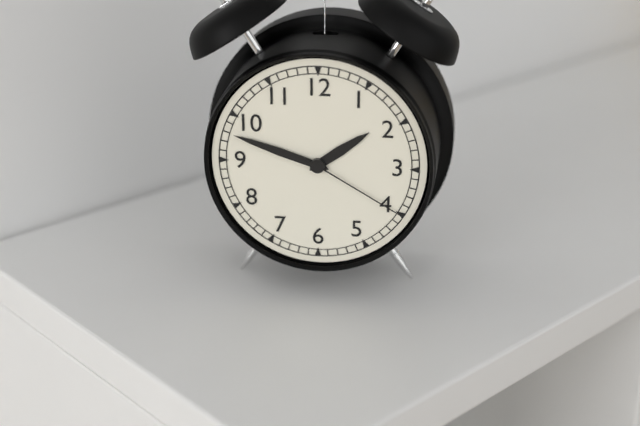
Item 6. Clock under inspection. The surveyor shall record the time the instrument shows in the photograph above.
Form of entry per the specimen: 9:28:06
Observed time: 1:48:20
